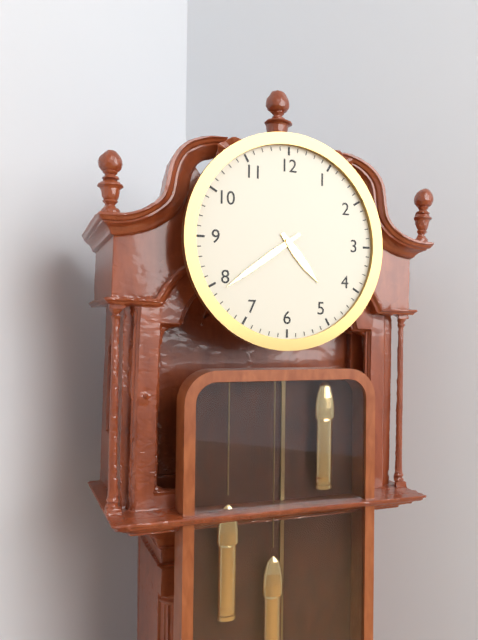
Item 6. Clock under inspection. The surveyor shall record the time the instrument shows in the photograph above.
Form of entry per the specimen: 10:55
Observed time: 4:39
